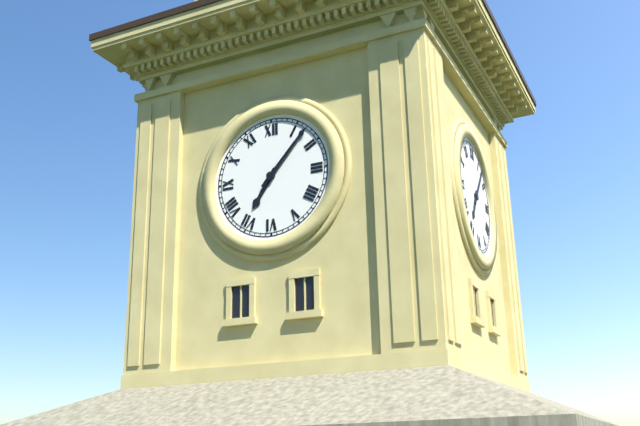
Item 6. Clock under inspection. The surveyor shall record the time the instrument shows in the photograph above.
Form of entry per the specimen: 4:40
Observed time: 7:07
